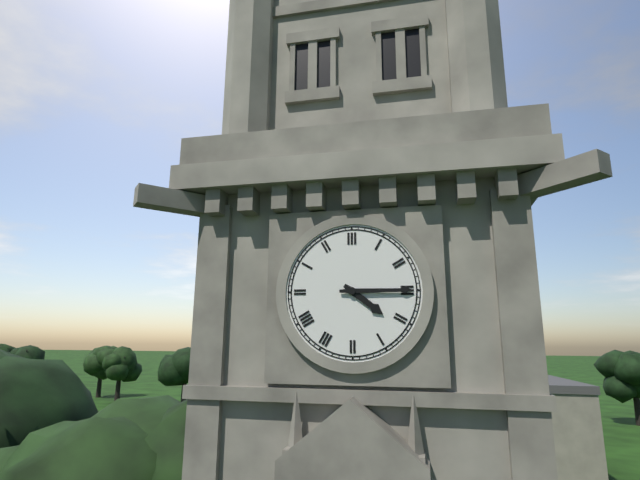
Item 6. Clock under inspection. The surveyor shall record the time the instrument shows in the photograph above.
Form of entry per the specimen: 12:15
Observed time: 4:15
